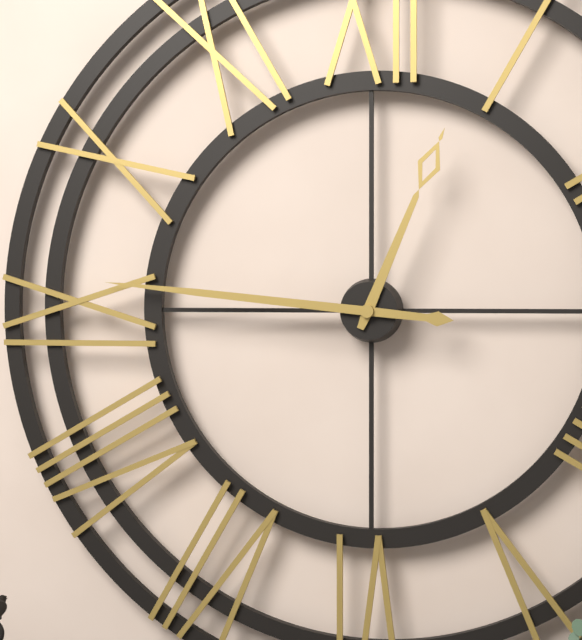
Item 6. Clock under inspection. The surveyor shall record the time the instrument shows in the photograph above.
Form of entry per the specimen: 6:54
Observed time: 12:46
